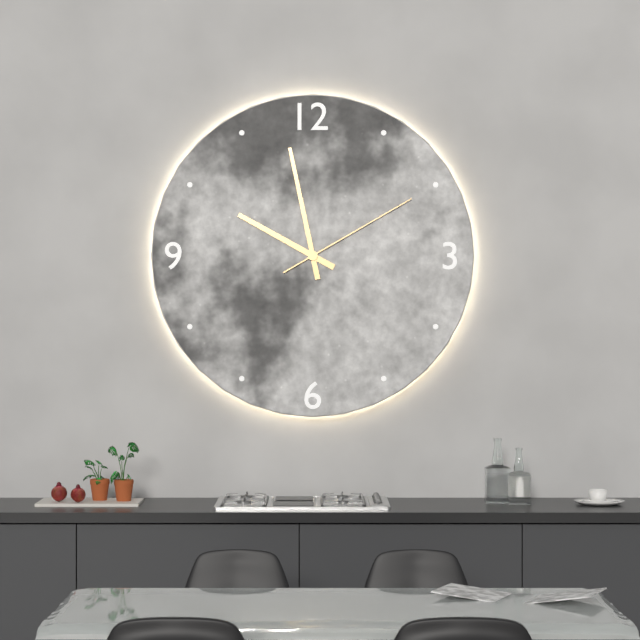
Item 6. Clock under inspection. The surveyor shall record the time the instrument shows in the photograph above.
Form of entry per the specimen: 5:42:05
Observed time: 9:58:10
